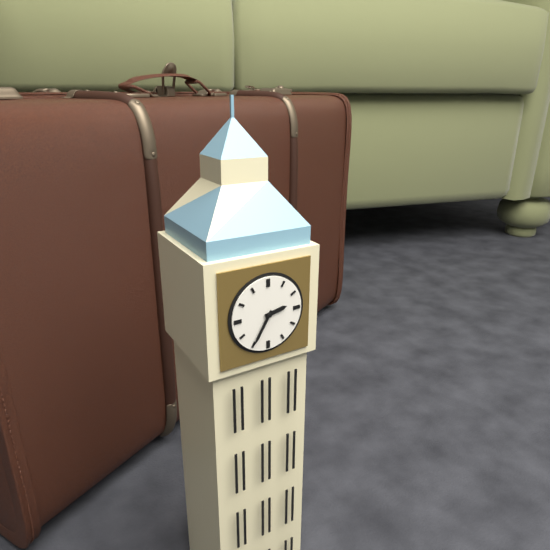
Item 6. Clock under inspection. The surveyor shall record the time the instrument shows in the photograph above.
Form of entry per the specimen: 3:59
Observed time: 2:35
